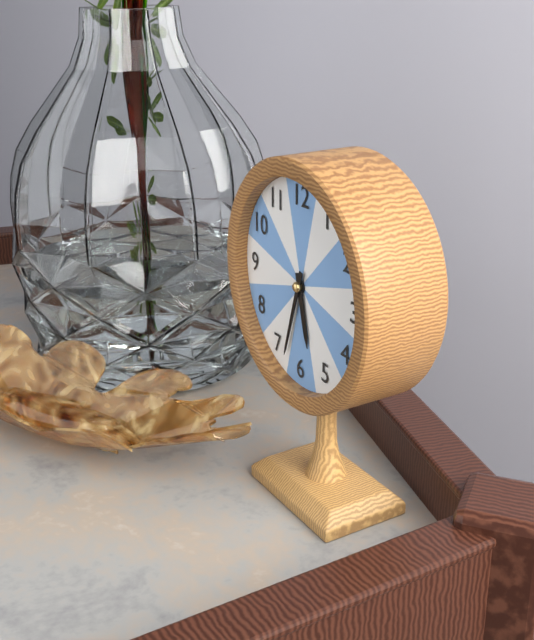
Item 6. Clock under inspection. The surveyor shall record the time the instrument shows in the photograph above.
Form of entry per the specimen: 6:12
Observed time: 5:33
